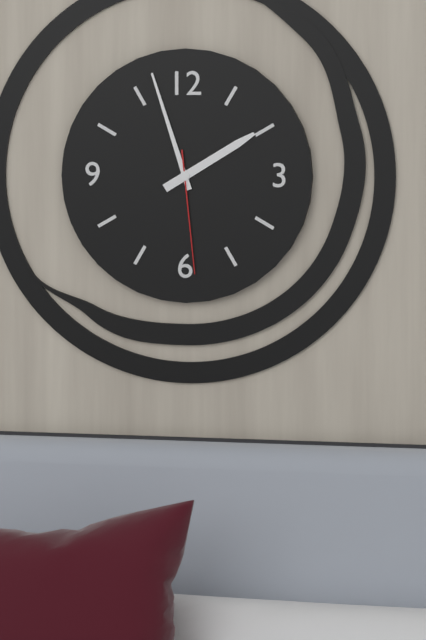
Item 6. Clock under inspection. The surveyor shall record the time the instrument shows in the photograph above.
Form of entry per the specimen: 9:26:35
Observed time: 1:57:29
